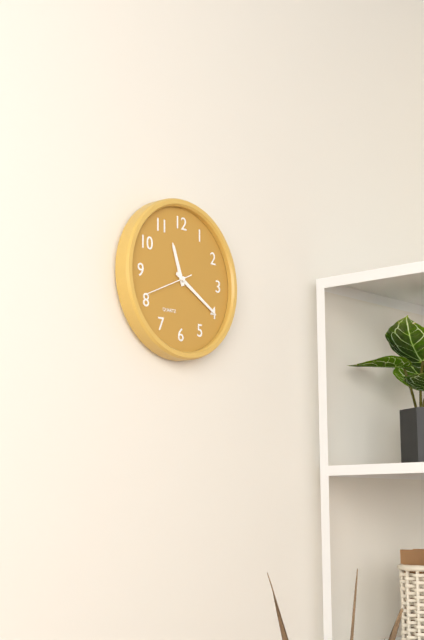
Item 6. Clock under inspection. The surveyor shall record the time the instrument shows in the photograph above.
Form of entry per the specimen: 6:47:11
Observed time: 11:20:41
